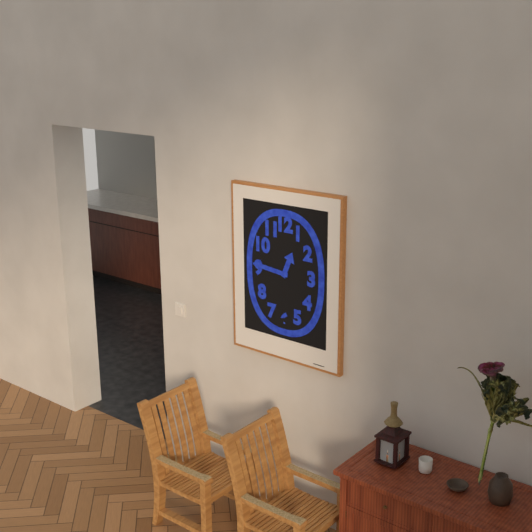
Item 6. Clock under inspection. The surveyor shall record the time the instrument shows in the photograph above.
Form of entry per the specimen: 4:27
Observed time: 12:46
